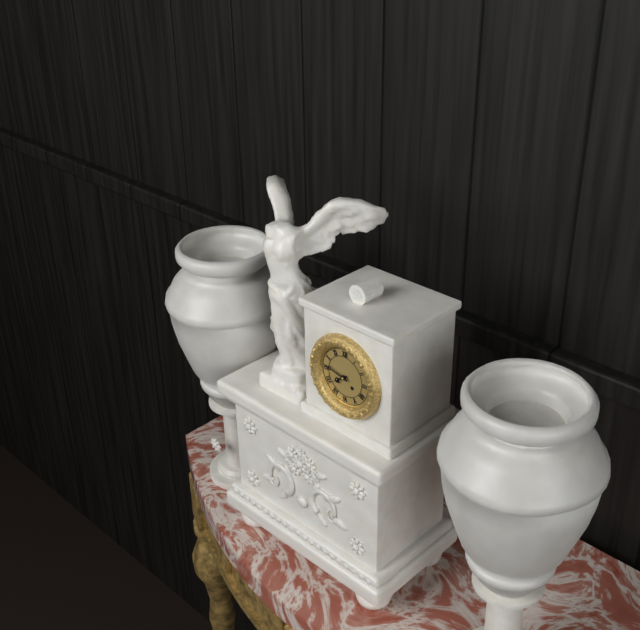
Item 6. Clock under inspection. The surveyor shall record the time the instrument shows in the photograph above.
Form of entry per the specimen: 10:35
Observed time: 7:47
